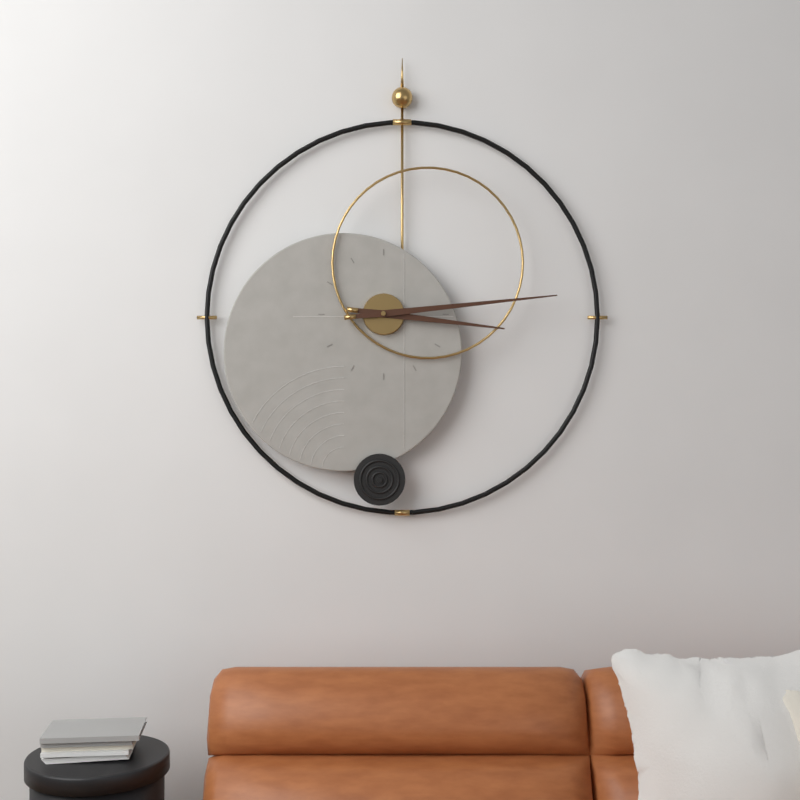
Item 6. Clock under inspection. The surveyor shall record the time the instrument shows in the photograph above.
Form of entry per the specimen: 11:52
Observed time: 3:14
